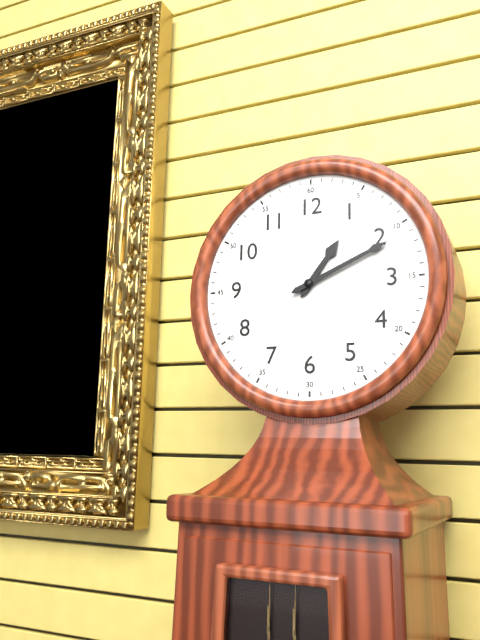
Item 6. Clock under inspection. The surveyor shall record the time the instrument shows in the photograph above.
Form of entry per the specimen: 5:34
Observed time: 1:11
